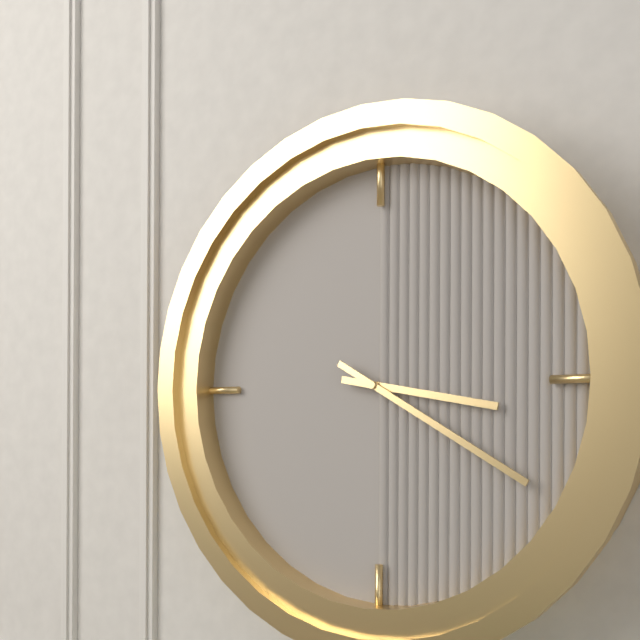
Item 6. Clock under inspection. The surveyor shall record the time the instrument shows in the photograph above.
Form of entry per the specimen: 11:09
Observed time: 3:20
